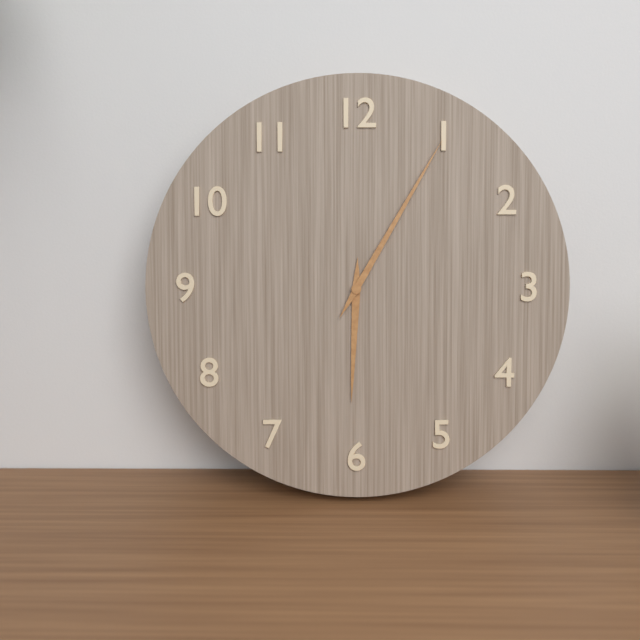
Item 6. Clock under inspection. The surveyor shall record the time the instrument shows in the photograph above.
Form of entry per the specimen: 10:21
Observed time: 6:05
